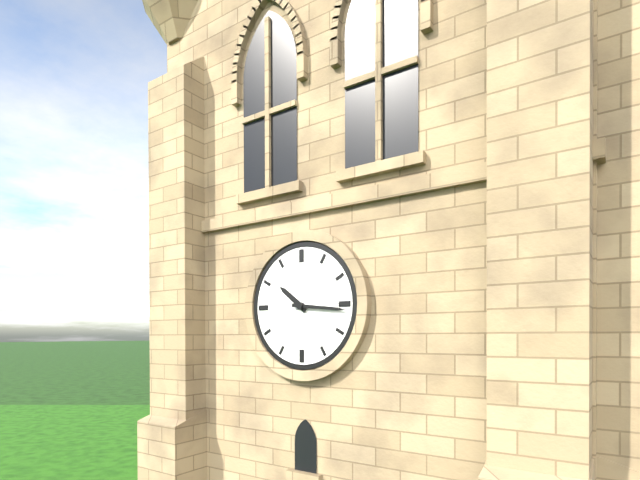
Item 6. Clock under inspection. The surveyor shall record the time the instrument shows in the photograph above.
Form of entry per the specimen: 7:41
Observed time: 10:16
